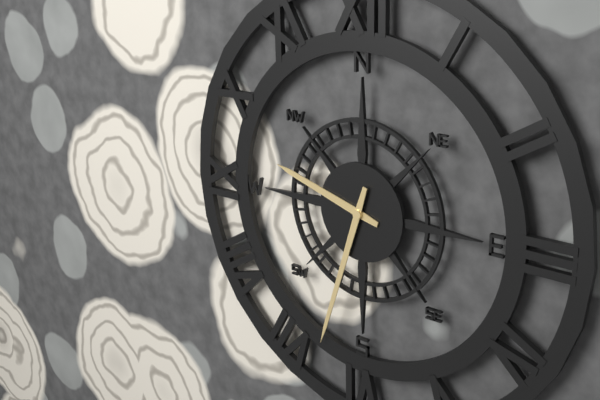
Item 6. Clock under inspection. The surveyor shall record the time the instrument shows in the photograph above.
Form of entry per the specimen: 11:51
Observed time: 9:33
